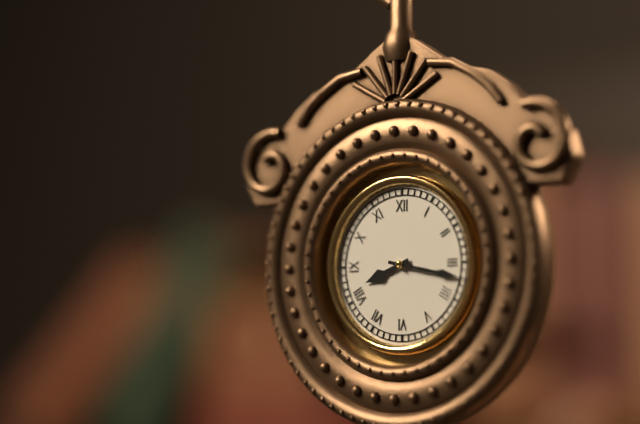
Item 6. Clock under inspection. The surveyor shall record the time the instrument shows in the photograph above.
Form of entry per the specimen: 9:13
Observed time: 8:17
